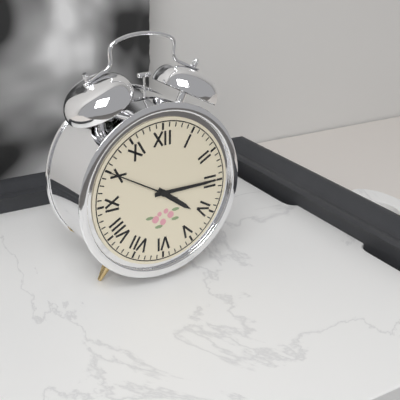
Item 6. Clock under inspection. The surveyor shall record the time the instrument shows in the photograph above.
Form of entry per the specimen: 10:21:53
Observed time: 4:15:50
